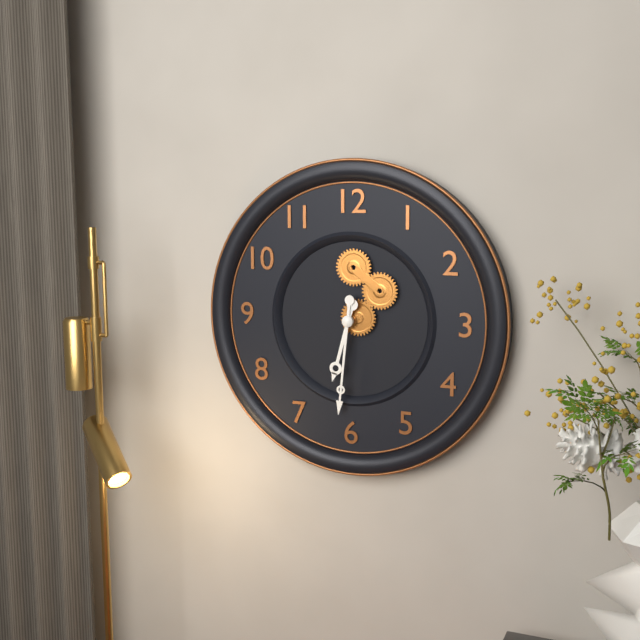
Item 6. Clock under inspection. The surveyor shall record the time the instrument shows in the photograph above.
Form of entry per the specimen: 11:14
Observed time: 6:31
